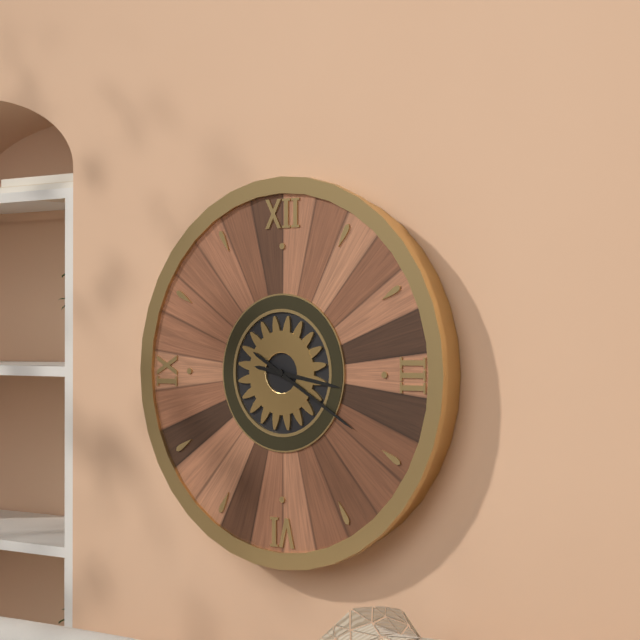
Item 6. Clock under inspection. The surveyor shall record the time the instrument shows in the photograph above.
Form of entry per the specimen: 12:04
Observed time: 3:20
